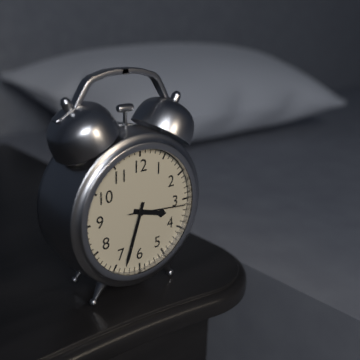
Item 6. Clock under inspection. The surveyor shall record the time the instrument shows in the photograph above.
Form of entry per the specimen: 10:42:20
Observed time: 3:33:16
